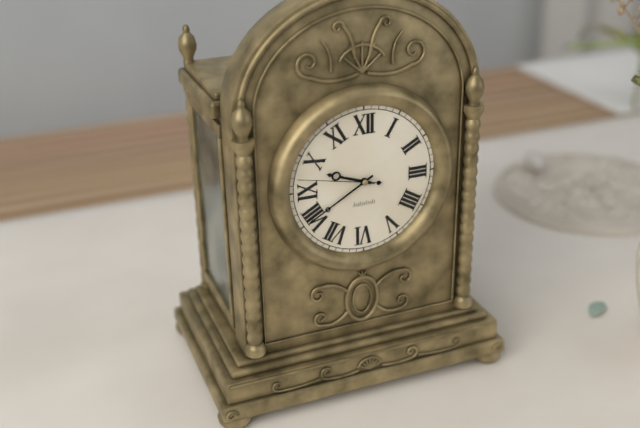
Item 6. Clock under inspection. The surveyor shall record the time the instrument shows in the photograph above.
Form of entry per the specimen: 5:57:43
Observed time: 9:40:47
